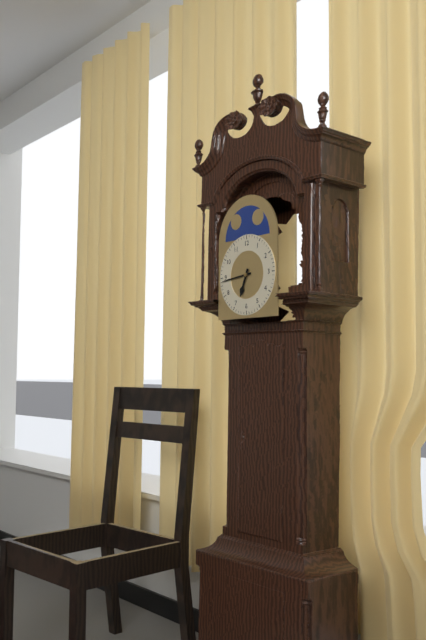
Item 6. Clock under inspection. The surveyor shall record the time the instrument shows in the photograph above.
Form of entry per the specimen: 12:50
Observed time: 6:44
